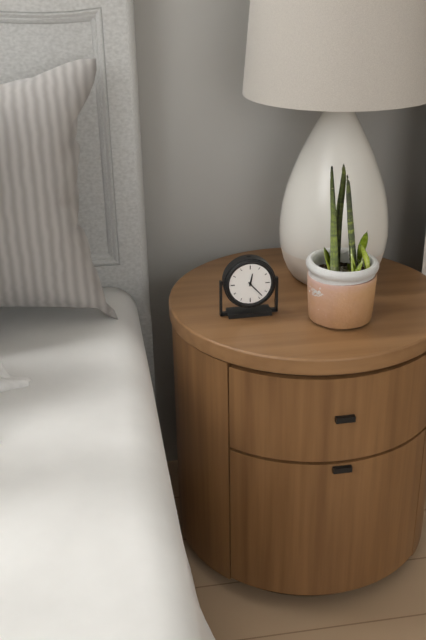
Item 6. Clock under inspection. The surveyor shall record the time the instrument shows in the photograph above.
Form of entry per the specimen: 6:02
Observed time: 12:23
